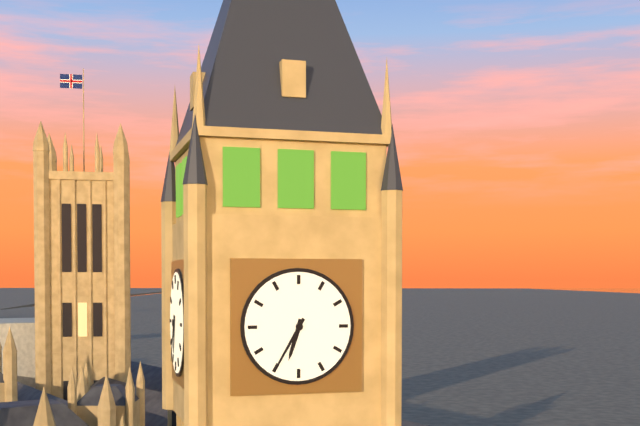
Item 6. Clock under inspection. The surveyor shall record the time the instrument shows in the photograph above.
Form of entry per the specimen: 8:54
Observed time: 6:35
